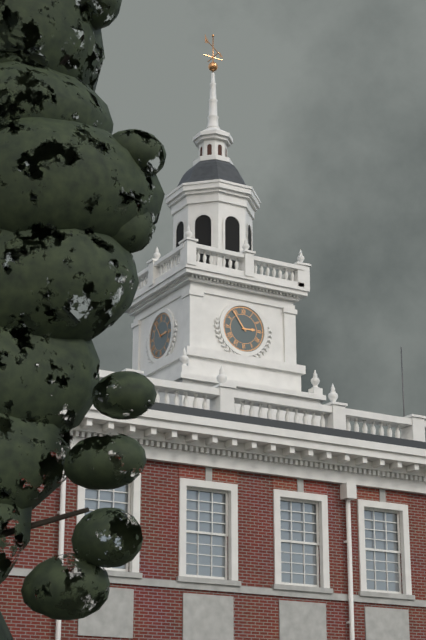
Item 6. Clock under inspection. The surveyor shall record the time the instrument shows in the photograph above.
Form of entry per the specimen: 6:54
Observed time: 2:54
